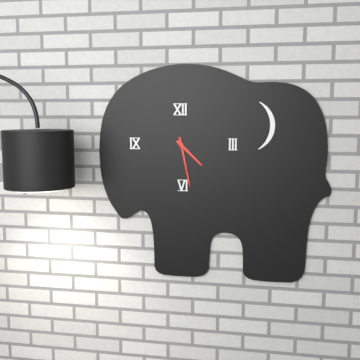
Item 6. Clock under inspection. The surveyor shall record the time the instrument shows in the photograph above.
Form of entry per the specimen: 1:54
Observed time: 4:28
